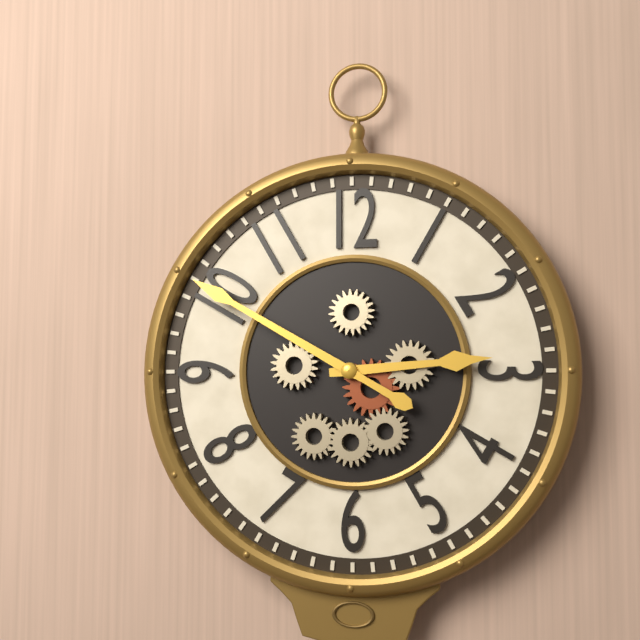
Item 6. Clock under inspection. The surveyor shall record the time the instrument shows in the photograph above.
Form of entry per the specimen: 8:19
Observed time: 2:50
